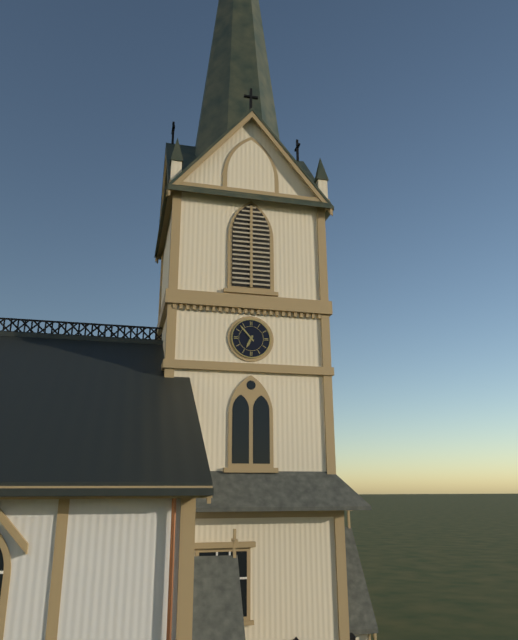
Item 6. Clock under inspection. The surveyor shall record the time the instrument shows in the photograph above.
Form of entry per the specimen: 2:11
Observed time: 6:53
